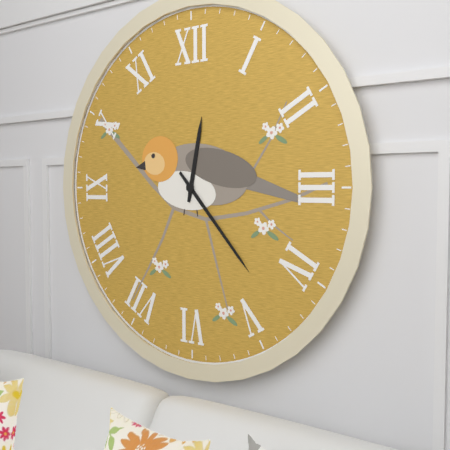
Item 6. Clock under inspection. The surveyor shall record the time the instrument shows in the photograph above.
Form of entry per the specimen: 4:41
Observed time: 12:23
